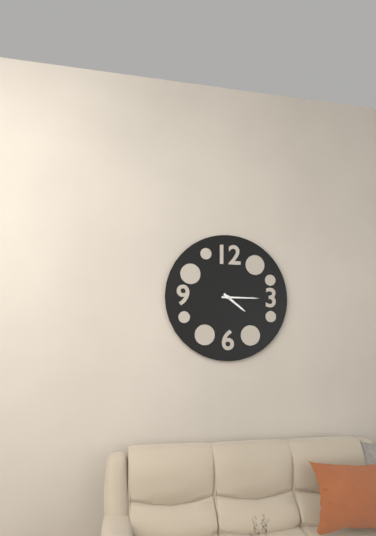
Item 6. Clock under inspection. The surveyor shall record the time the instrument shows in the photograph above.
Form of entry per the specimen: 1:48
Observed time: 4:15
